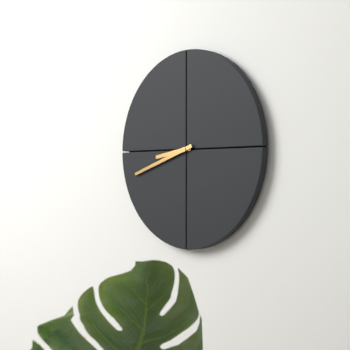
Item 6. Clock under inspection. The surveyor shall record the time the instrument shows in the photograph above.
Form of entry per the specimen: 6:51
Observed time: 8:42
